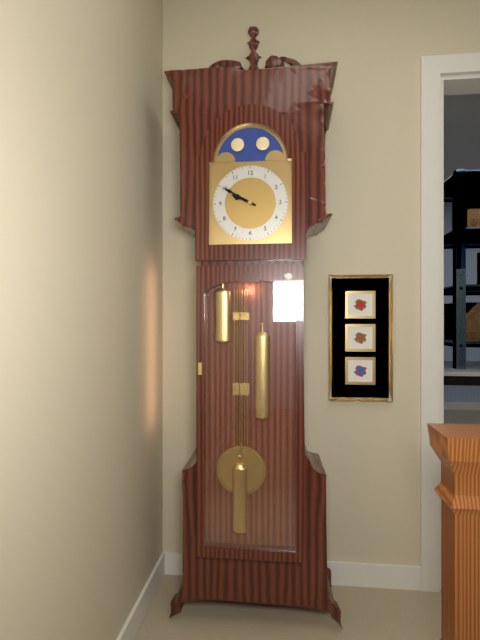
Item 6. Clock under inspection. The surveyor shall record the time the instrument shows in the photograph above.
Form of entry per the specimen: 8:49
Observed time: 9:50
